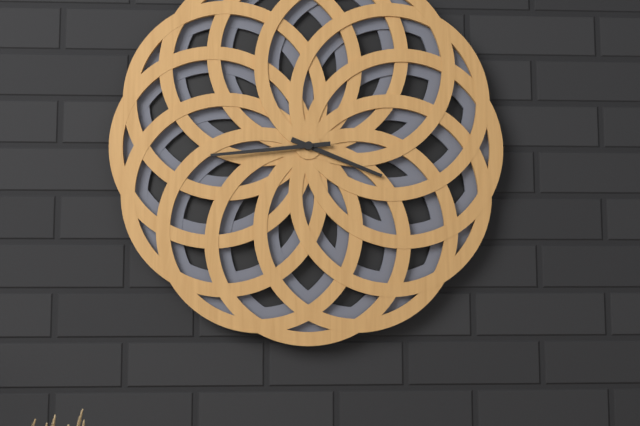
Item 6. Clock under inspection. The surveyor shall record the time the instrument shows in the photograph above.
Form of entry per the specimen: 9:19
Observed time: 3:44
